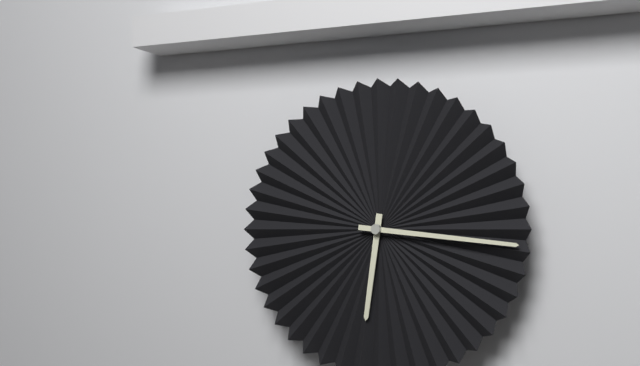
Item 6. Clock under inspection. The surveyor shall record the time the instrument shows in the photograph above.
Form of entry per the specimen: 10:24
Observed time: 6:16
